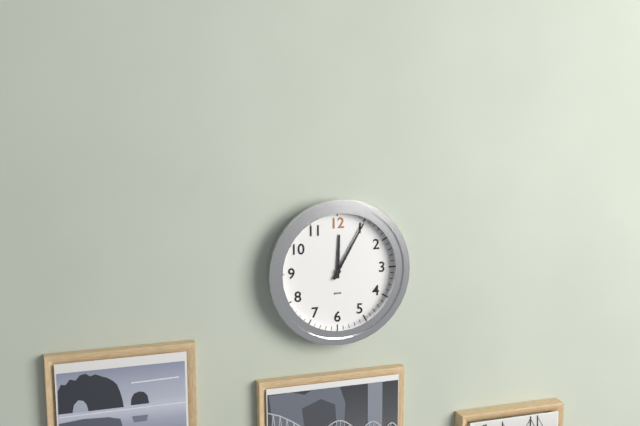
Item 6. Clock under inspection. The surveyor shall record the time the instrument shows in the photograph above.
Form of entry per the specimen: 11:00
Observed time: 12:05
